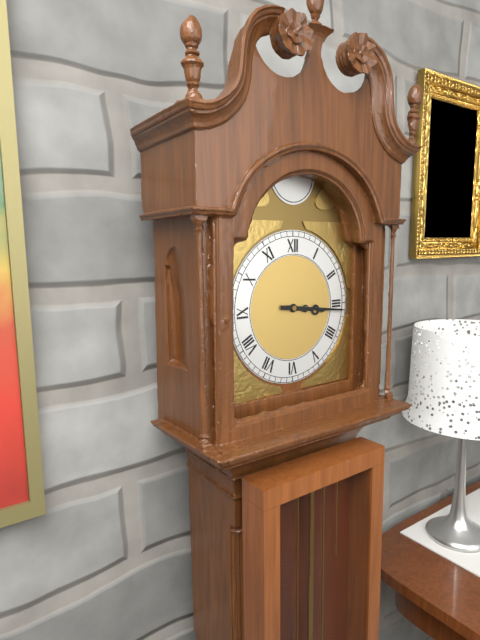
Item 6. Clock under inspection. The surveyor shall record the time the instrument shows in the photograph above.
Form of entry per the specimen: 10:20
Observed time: 3:16
